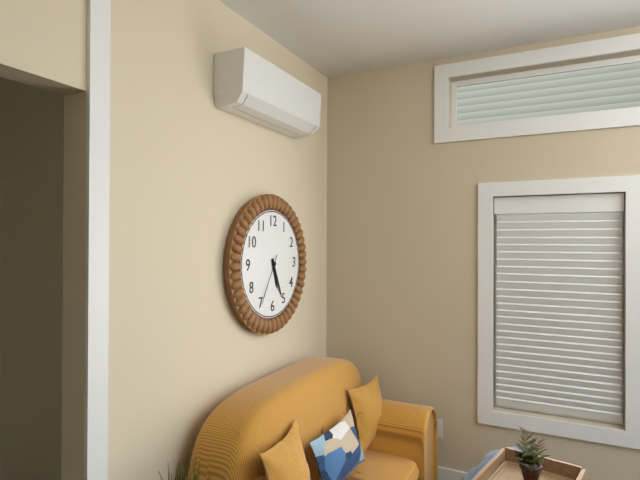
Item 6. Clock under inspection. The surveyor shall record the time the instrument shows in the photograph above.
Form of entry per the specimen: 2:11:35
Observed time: 5:26:35
